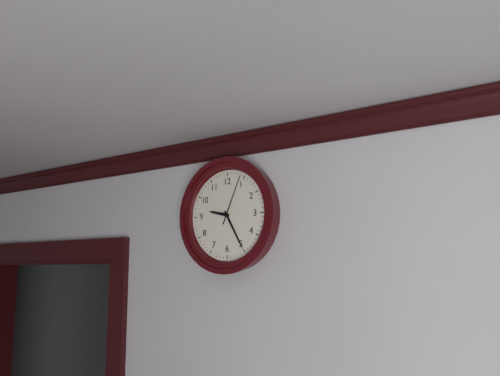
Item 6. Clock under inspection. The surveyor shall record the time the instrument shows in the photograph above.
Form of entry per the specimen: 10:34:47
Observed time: 9:25:04
